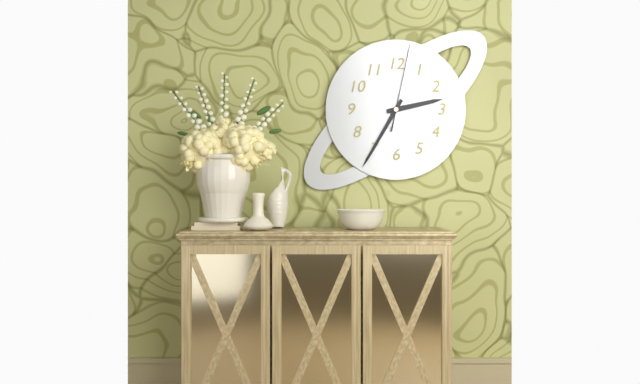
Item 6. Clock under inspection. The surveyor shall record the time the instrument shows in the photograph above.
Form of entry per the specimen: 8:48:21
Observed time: 2:35:02
